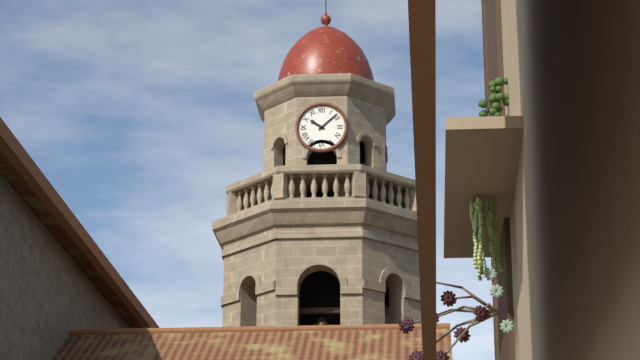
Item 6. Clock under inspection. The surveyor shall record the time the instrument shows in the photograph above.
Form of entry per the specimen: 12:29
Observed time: 10:08
